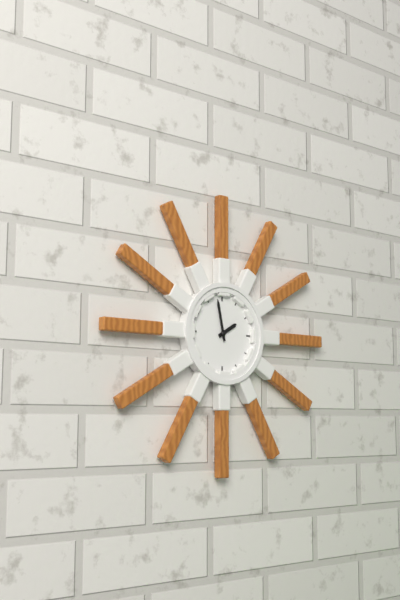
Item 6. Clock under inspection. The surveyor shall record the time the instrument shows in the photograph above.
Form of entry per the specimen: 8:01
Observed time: 1:58
